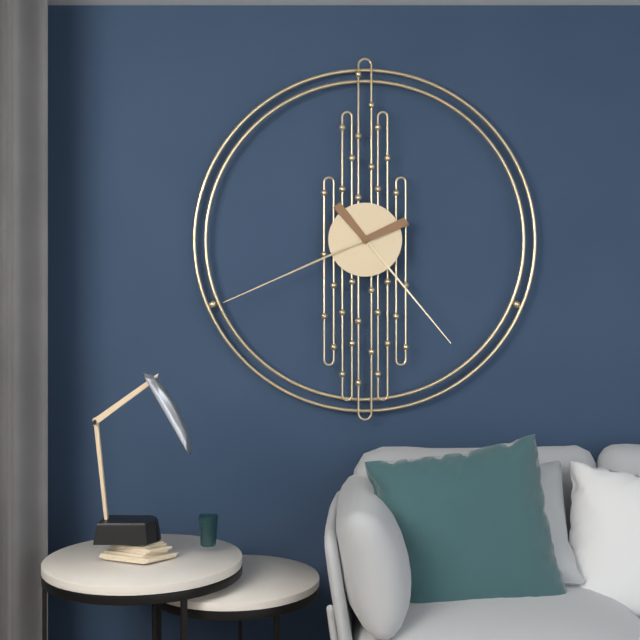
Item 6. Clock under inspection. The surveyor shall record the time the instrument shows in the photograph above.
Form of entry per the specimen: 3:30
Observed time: 4:41
